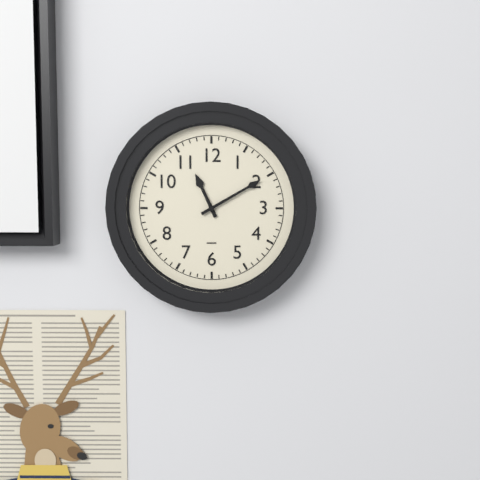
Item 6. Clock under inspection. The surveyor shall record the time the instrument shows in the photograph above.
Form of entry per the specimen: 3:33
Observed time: 11:10
